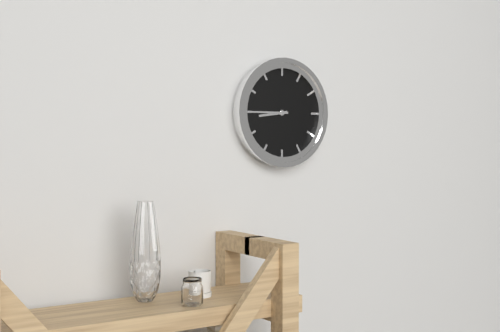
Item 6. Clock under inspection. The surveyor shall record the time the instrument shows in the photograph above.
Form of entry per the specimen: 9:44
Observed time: 8:45
